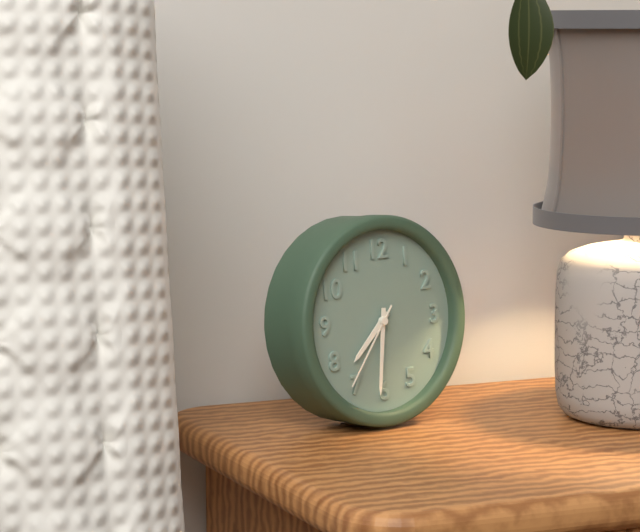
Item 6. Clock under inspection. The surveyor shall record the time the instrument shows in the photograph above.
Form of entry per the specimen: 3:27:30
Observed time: 7:31:36
